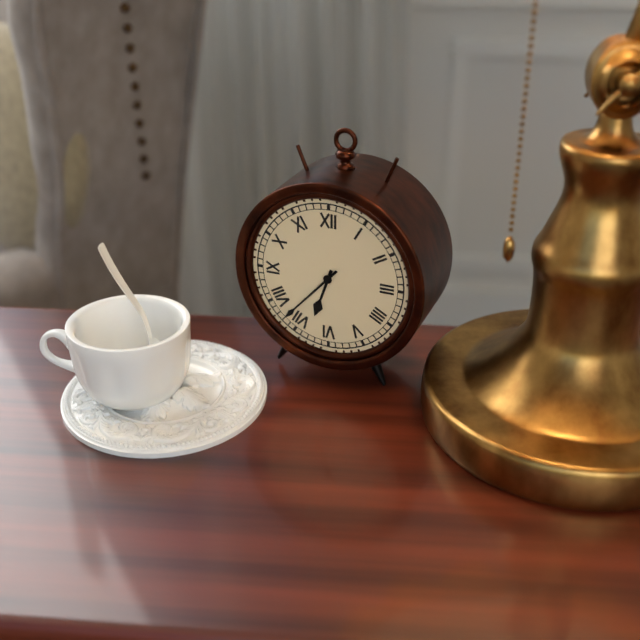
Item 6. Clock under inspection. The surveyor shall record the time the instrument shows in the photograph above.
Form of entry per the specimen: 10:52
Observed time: 6:37
